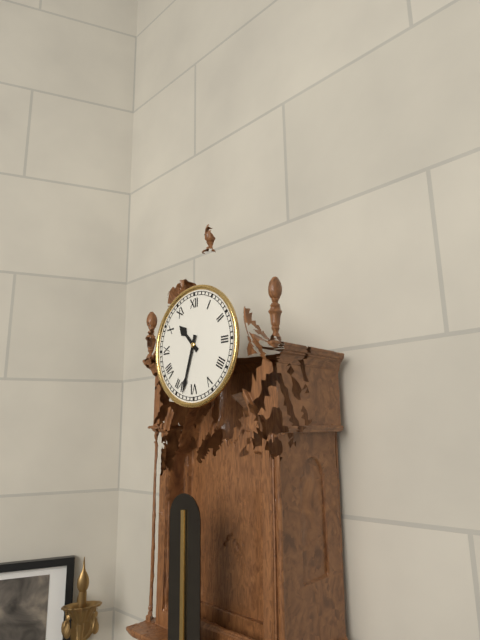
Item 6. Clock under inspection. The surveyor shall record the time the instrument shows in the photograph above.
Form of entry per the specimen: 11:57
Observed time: 10:33
